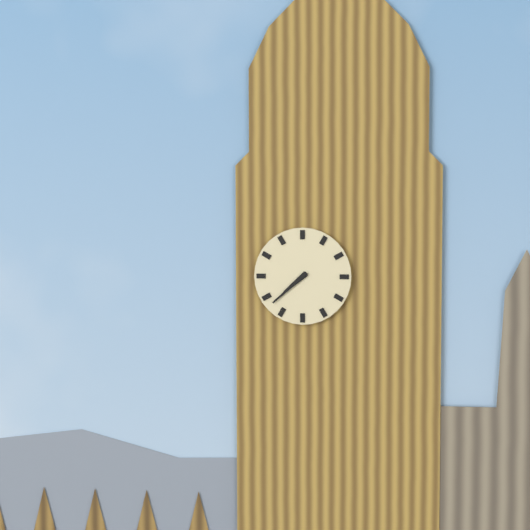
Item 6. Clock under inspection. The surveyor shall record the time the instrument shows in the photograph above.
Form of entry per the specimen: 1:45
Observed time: 7:38
